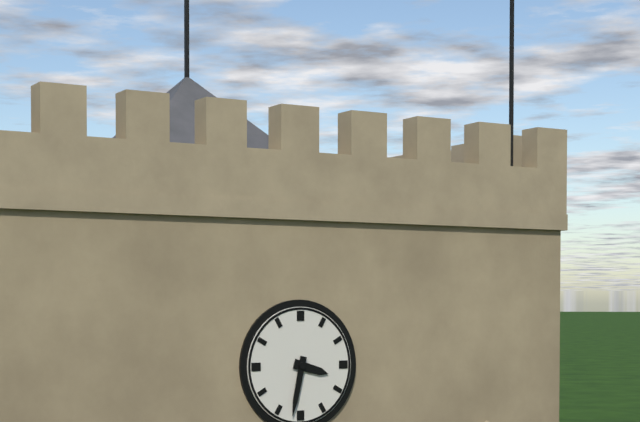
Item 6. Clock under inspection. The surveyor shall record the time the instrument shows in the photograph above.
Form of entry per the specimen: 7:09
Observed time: 3:32
